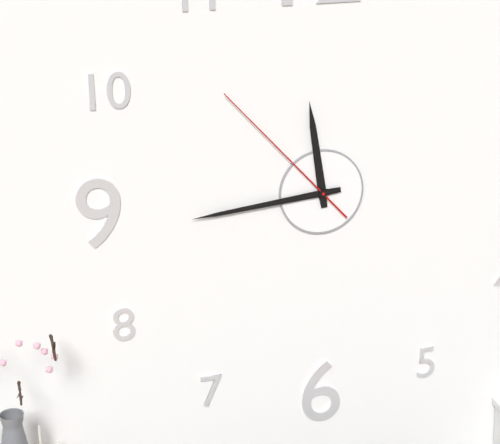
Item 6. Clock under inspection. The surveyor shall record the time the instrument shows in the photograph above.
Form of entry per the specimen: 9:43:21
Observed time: 11:44:53
